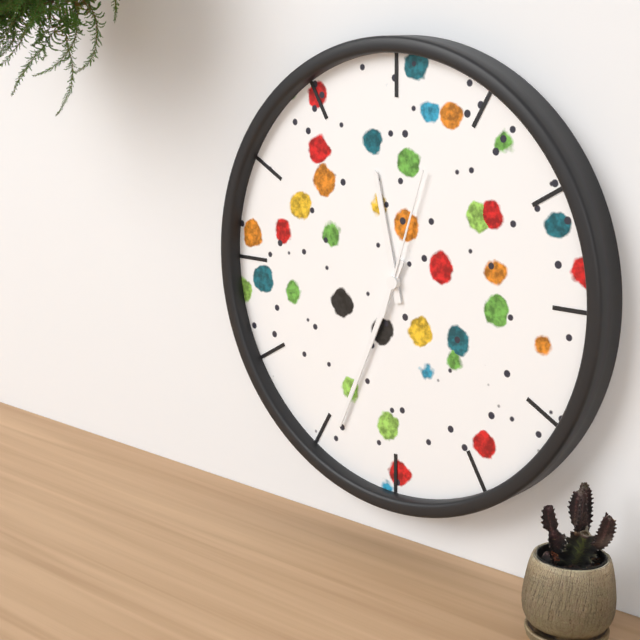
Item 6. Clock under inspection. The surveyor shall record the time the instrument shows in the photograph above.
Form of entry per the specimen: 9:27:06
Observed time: 11:34:03
